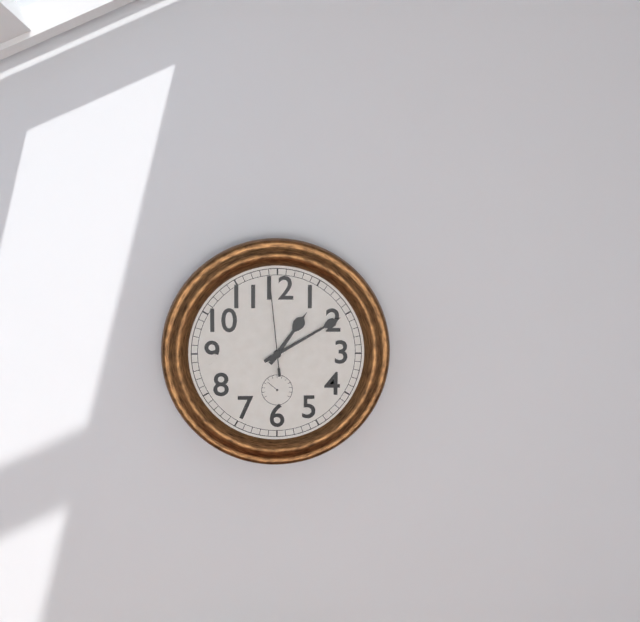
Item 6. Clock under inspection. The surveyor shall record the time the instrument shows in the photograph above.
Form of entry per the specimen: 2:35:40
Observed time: 1:10:59
